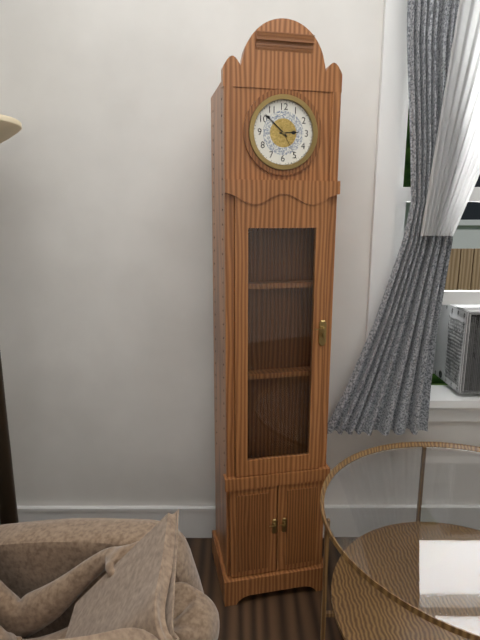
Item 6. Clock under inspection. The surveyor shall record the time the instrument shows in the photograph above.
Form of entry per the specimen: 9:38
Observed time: 2:52
